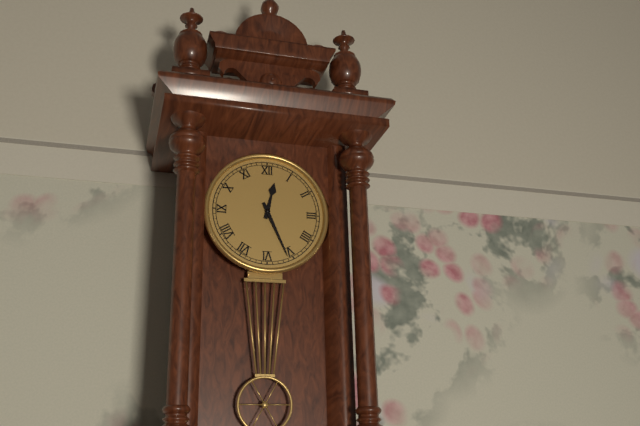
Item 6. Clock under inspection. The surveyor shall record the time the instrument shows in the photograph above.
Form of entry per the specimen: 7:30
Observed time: 12:26
